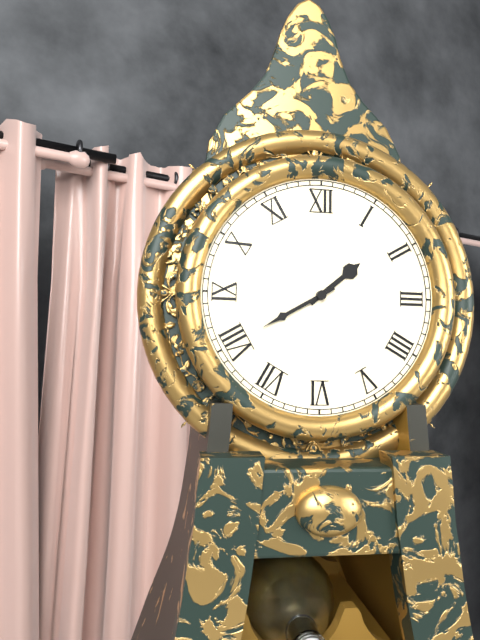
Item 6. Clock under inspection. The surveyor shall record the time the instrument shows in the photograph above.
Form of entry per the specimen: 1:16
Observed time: 1:40
